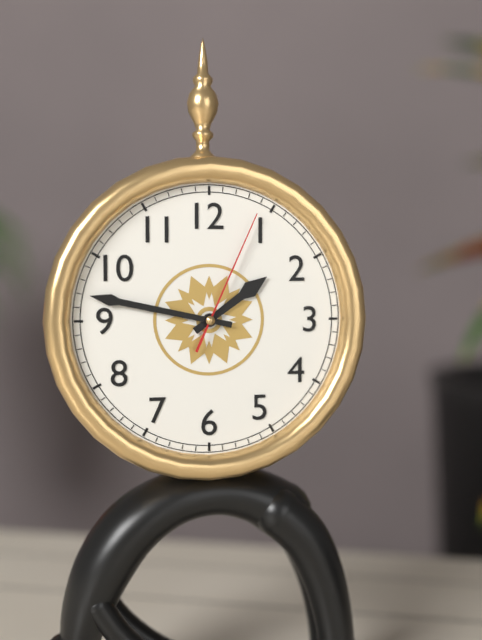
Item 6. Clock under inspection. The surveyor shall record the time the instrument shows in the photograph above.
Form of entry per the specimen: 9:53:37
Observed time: 1:47:04
